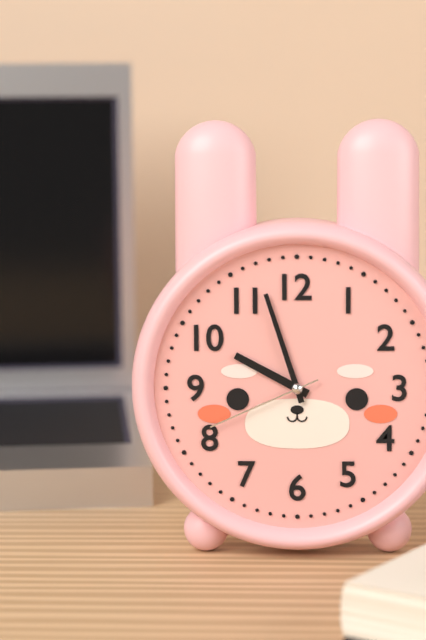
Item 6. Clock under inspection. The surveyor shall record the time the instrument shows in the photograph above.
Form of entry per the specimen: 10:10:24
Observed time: 9:57:41
